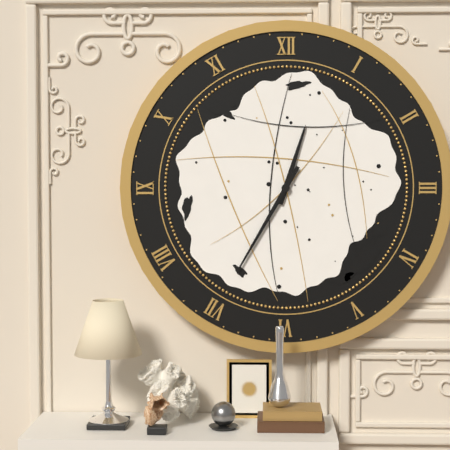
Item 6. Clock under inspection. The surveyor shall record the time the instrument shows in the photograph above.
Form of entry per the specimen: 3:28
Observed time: 12:35
